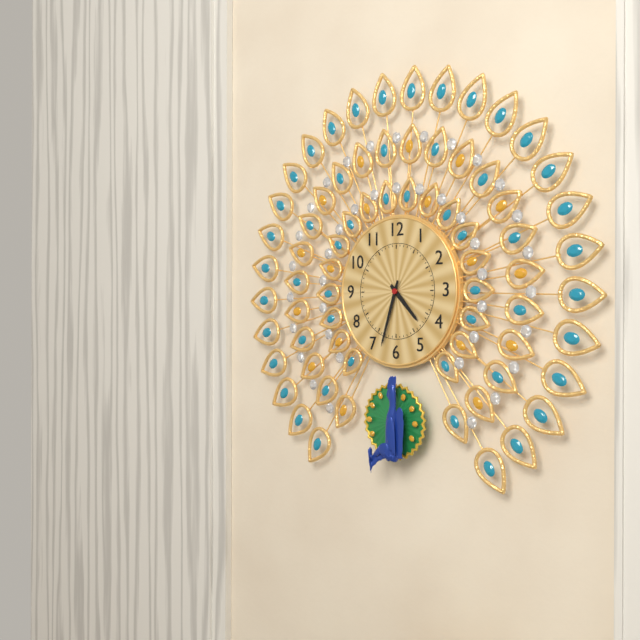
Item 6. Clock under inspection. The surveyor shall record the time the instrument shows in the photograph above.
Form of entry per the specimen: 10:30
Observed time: 4:33
